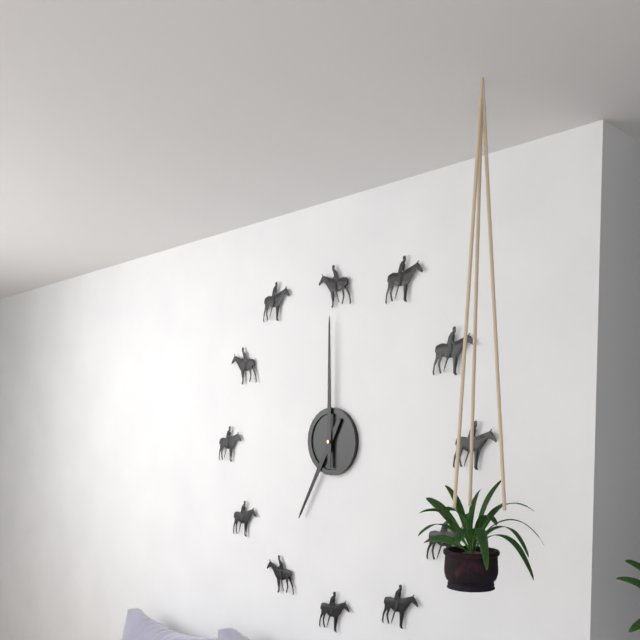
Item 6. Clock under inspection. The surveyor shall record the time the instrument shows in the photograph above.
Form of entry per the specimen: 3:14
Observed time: 7:00
